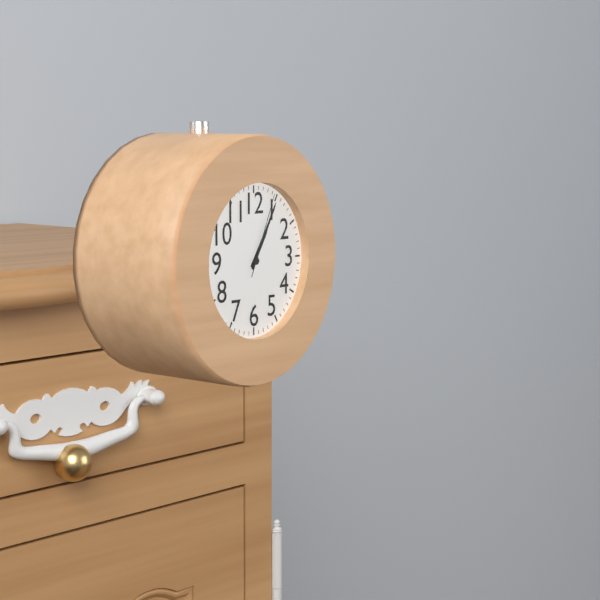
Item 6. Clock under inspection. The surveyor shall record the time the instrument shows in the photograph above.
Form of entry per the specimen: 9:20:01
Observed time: 1:05:04
